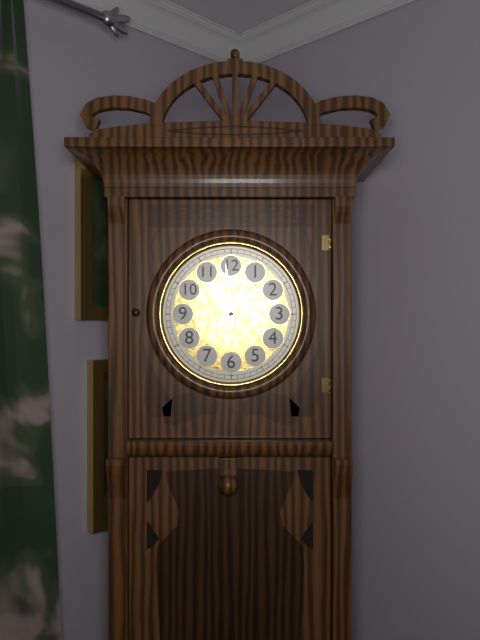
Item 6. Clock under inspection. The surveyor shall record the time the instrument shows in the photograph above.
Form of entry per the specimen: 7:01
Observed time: 12:59
